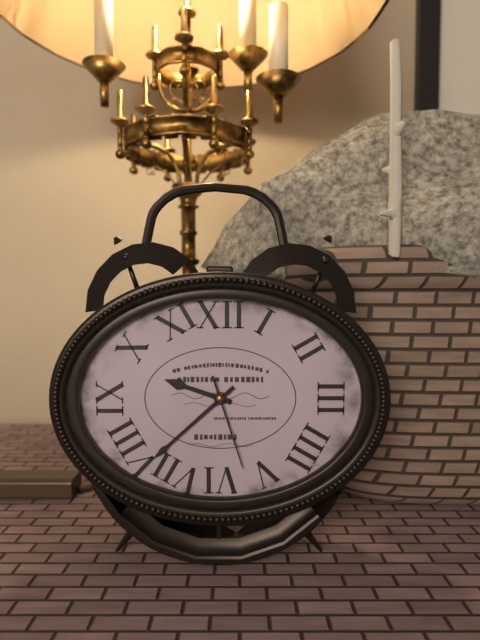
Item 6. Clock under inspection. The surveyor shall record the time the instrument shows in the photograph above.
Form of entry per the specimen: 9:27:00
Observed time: 9:38:27
